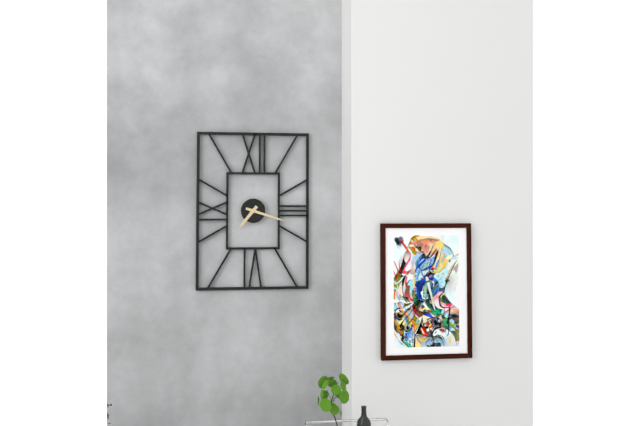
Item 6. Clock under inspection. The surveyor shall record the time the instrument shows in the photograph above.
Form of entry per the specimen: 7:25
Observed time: 7:18
